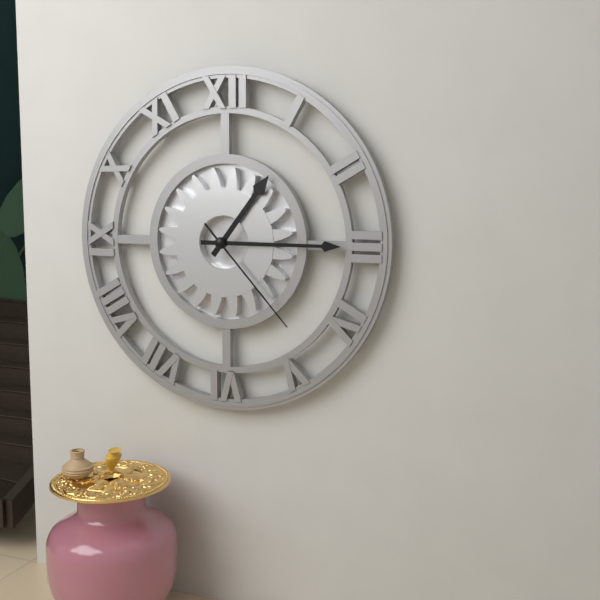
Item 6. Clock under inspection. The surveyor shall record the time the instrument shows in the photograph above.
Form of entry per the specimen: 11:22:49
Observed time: 1:15:23
